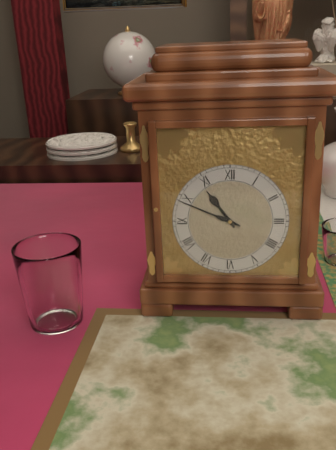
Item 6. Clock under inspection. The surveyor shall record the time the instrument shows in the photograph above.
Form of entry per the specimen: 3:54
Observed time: 10:49
